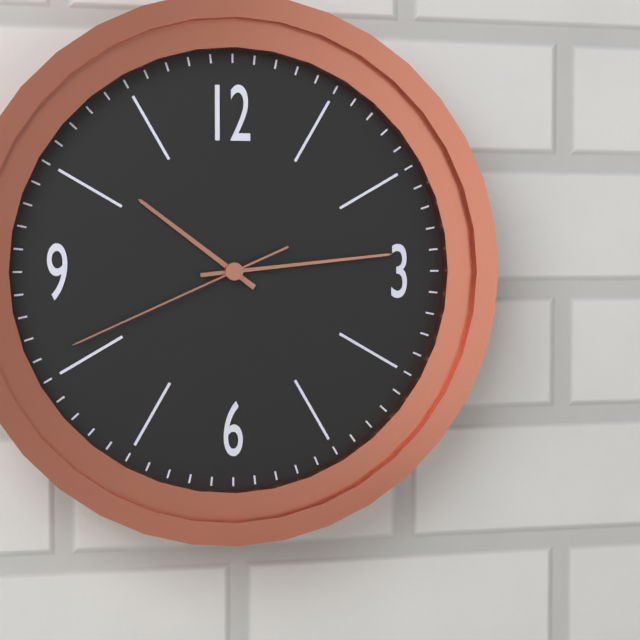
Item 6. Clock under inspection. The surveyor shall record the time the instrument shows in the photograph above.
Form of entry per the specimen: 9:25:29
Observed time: 10:14:41
